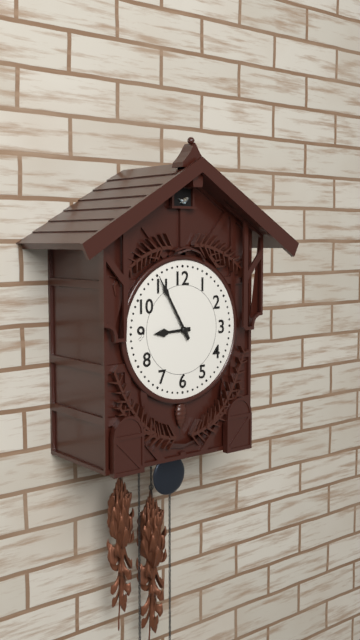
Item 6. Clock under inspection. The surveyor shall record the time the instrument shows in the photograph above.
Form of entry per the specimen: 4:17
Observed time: 8:55
